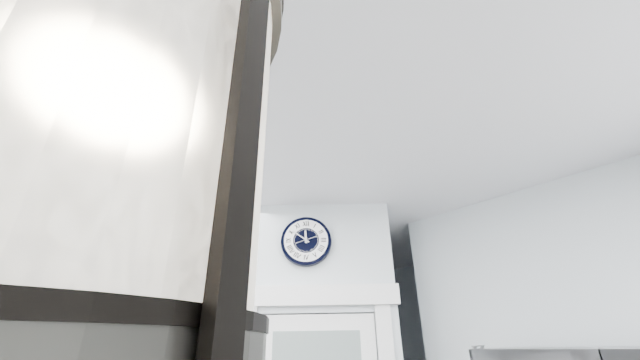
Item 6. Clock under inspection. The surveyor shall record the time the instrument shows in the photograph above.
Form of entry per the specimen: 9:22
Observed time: 11:51
